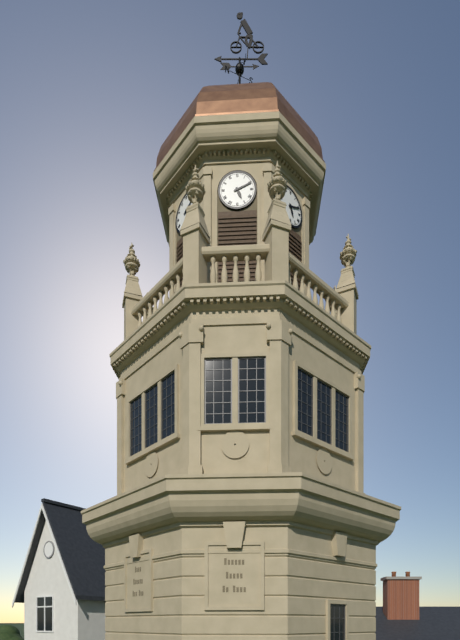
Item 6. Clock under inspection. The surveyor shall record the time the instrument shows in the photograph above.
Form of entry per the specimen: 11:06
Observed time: 5:11
